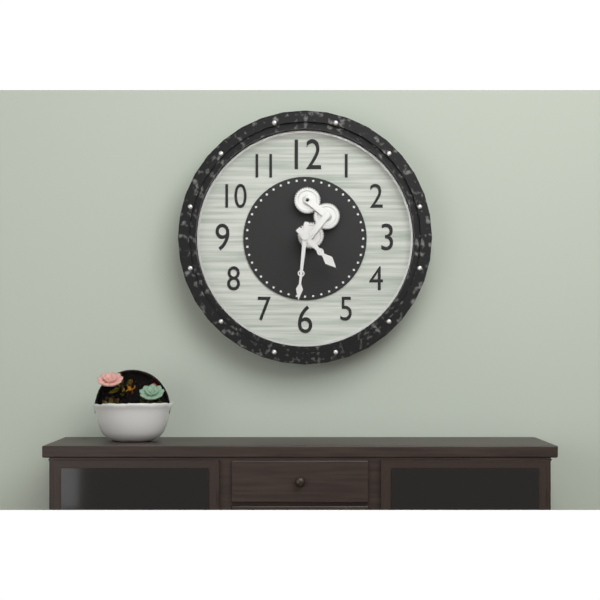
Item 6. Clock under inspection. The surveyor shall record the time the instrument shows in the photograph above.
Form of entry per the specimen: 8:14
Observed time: 4:31
